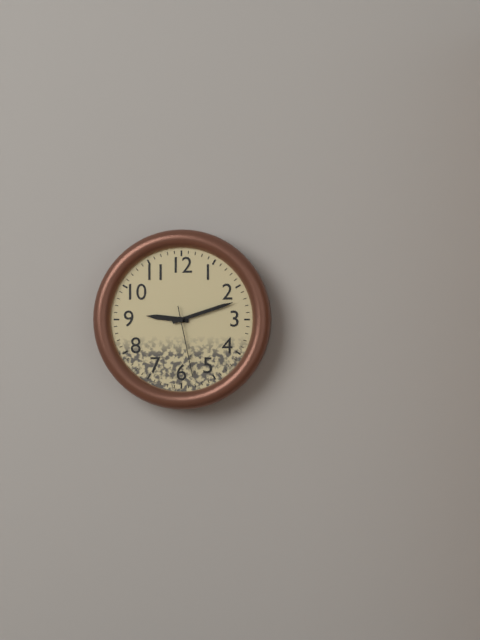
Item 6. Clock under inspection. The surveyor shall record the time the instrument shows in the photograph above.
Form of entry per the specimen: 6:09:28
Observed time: 9:12:28
